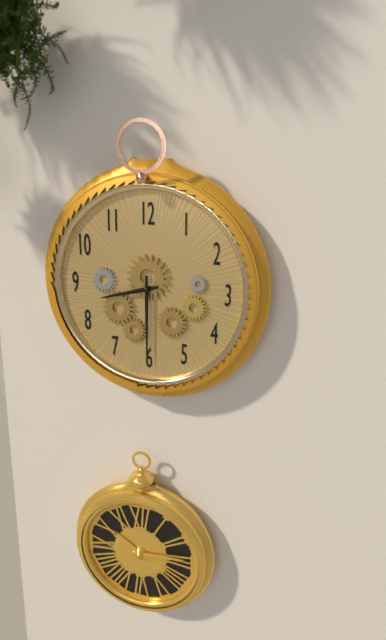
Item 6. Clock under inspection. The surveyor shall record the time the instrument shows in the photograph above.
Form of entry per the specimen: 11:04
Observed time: 8:30
